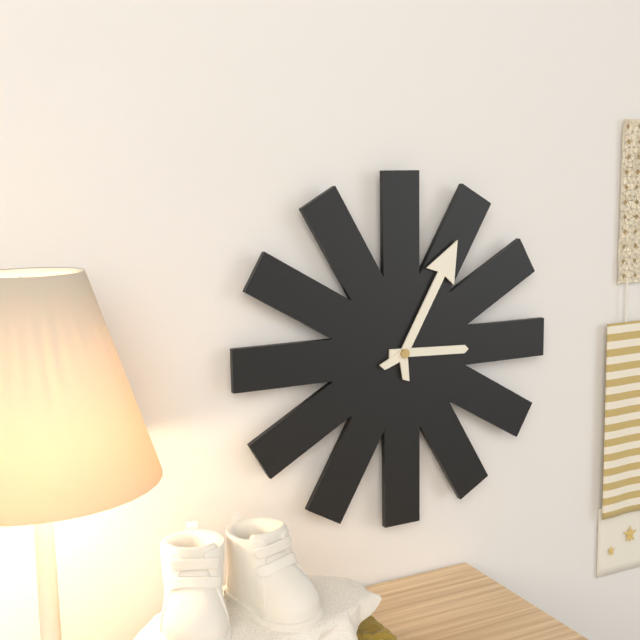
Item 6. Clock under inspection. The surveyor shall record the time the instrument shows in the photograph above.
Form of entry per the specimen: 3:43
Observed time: 3:05
